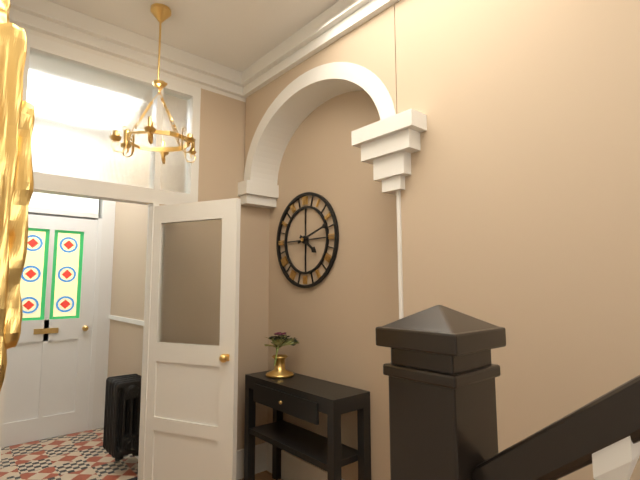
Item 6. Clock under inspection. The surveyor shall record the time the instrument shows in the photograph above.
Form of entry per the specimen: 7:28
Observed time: 4:12
